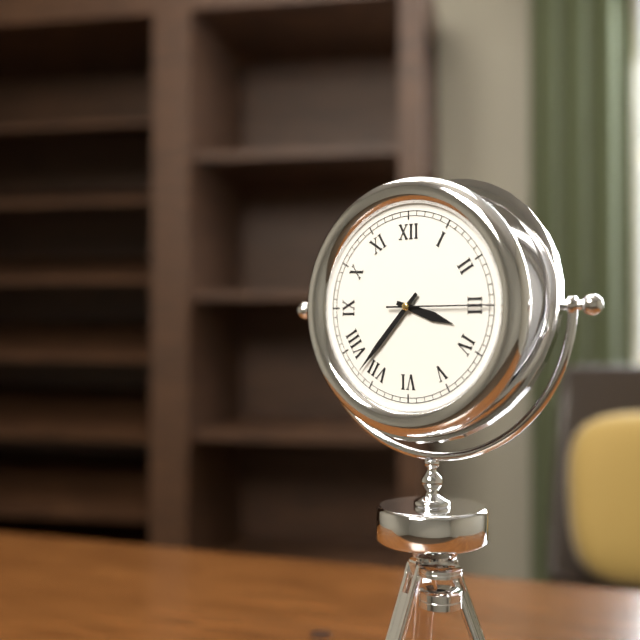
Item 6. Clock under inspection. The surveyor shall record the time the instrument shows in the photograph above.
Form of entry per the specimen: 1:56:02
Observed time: 3:37:15
